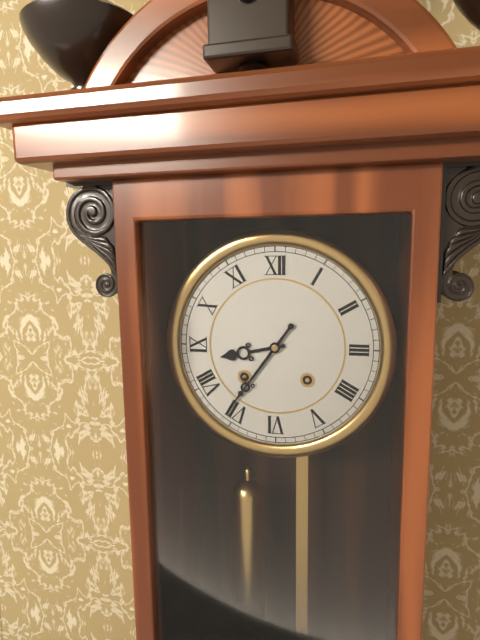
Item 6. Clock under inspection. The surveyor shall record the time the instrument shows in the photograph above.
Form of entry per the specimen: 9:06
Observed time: 8:36
